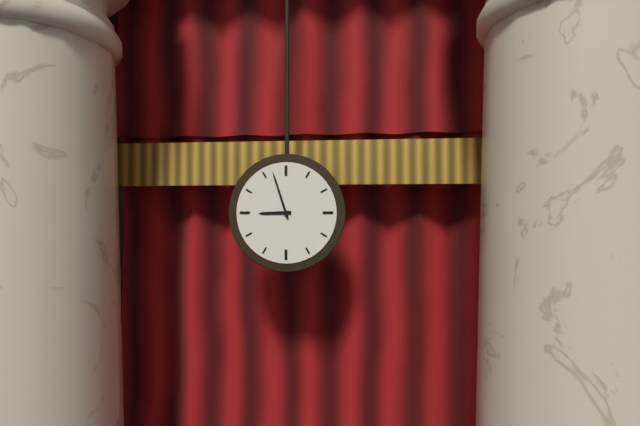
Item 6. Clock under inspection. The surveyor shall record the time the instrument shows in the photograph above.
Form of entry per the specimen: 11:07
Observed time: 8:57
